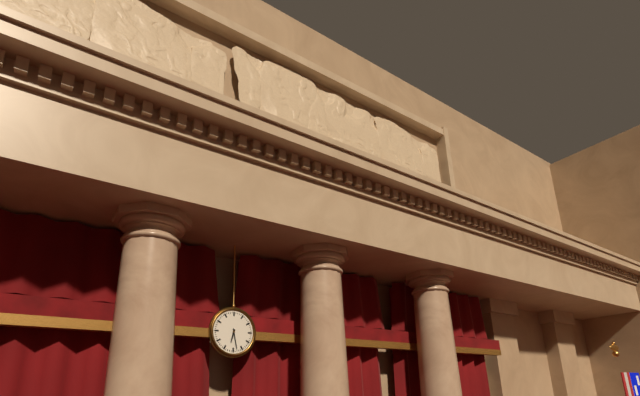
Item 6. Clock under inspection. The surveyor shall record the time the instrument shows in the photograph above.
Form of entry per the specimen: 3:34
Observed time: 6:28
